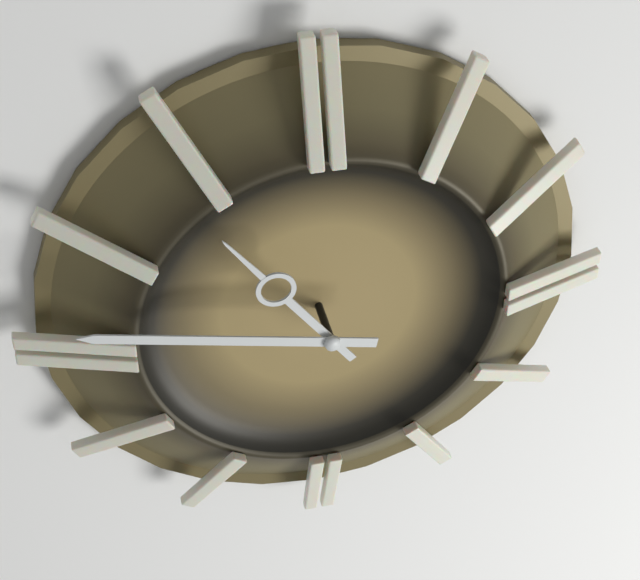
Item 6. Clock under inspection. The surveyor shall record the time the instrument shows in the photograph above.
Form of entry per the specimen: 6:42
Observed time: 10:47
